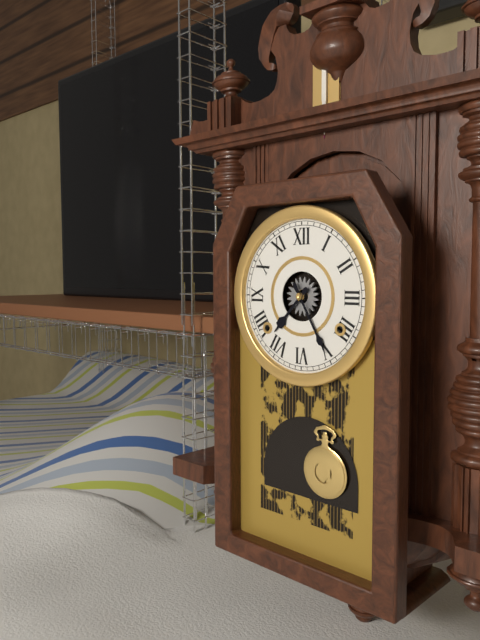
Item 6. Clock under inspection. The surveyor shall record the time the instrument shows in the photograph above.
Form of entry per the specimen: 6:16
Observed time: 7:25
